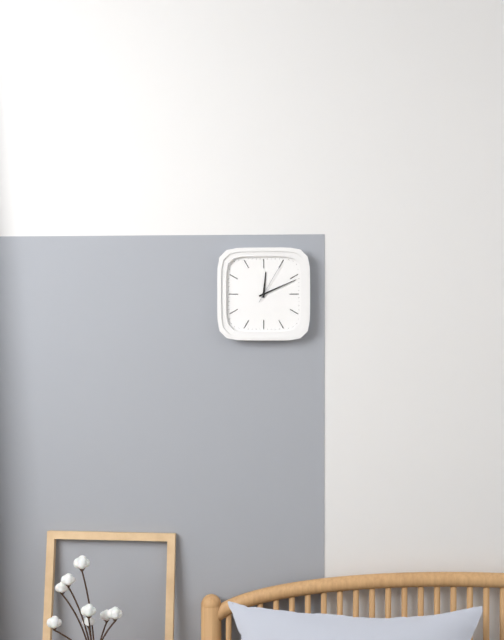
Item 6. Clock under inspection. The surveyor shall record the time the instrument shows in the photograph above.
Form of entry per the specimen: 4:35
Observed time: 12:11
